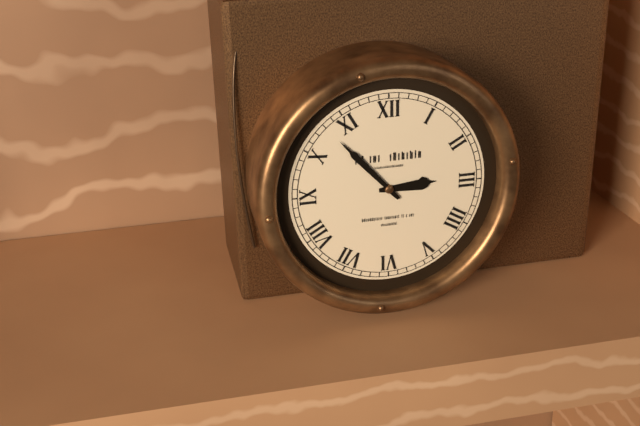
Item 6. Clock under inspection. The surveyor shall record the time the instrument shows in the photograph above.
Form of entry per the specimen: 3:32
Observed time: 2:53
